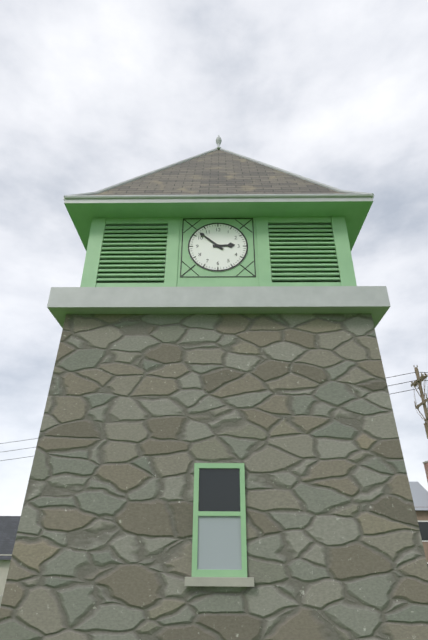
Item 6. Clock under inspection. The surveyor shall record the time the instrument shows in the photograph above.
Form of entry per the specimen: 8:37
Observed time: 2:52
